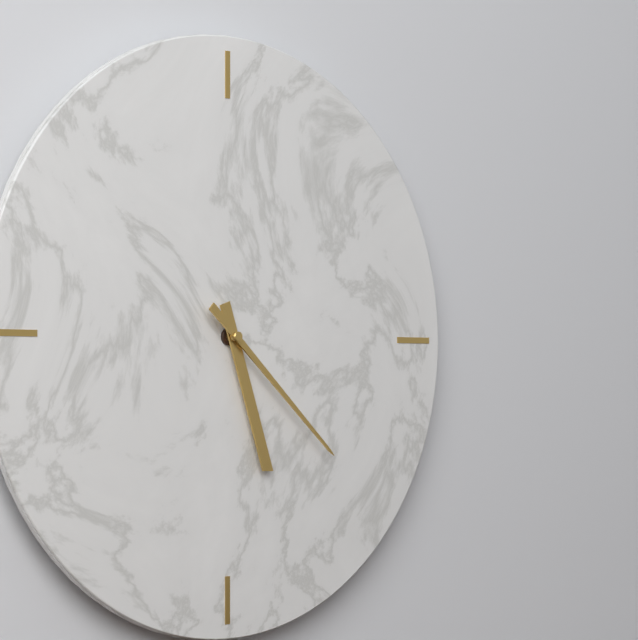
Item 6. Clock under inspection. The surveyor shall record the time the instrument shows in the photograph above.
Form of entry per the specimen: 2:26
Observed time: 5:22
